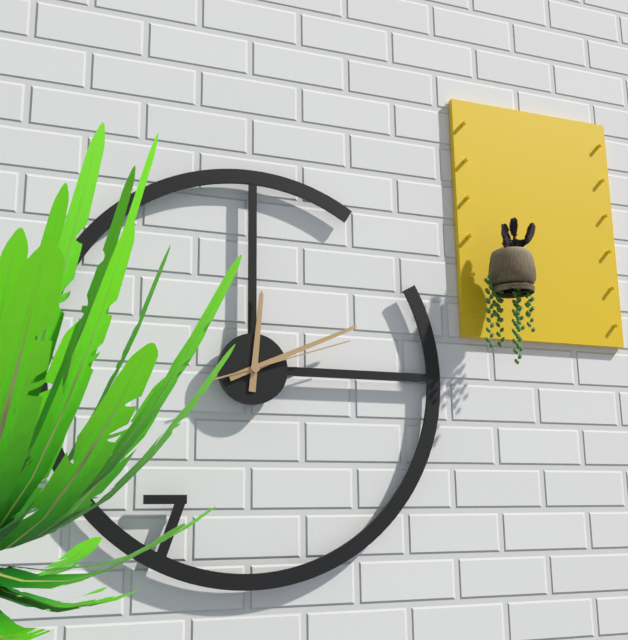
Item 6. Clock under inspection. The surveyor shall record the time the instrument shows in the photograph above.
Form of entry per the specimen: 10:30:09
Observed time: 12:11:12
